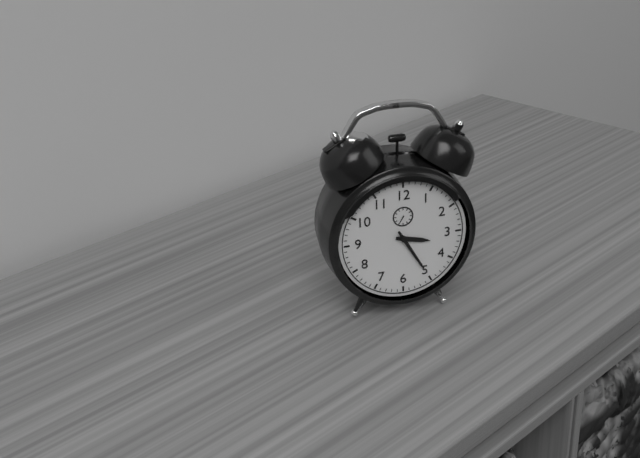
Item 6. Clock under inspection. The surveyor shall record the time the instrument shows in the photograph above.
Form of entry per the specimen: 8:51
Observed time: 3:25
